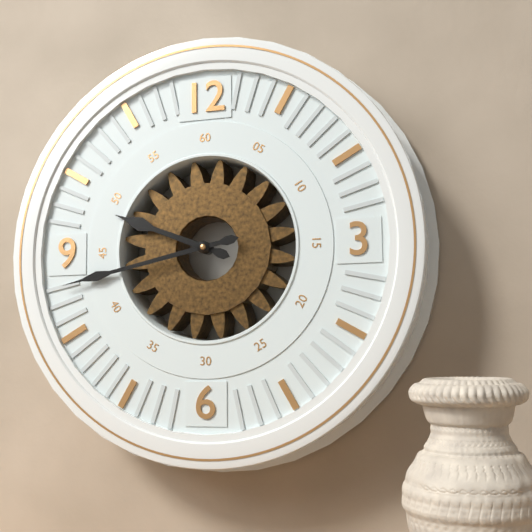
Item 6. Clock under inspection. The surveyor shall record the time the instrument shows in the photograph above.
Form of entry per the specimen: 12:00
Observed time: 9:43
